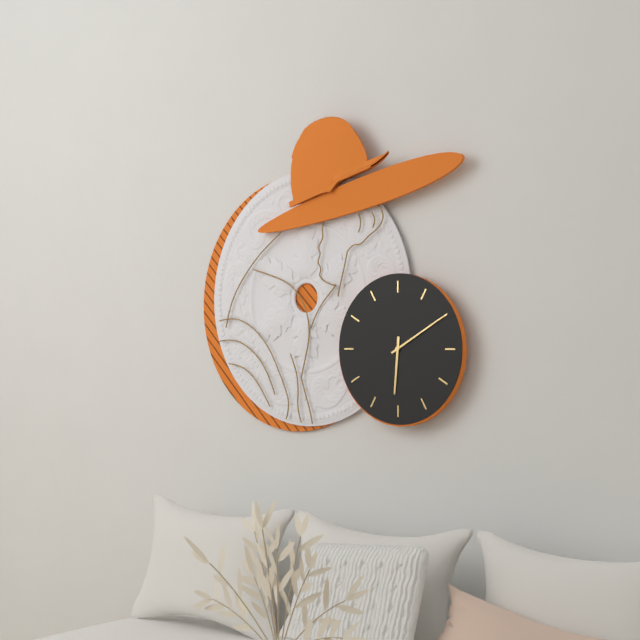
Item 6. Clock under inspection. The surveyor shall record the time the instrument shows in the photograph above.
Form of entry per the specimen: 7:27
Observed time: 6:10
